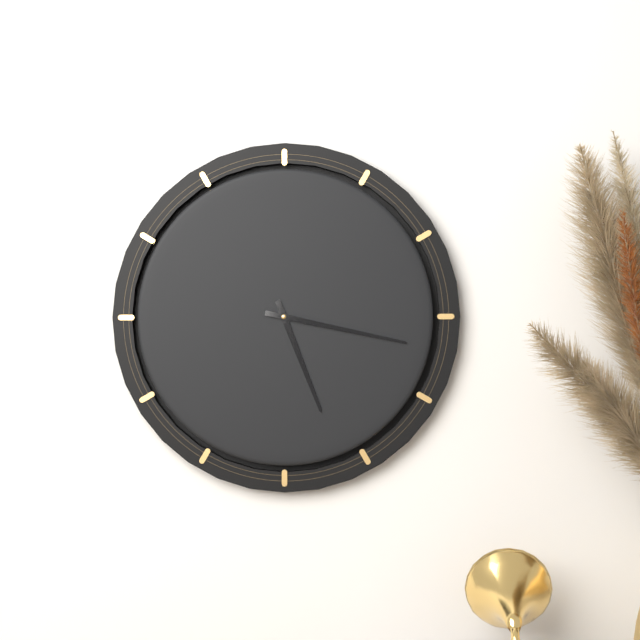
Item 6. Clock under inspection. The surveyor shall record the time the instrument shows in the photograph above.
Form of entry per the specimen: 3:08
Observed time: 5:17
